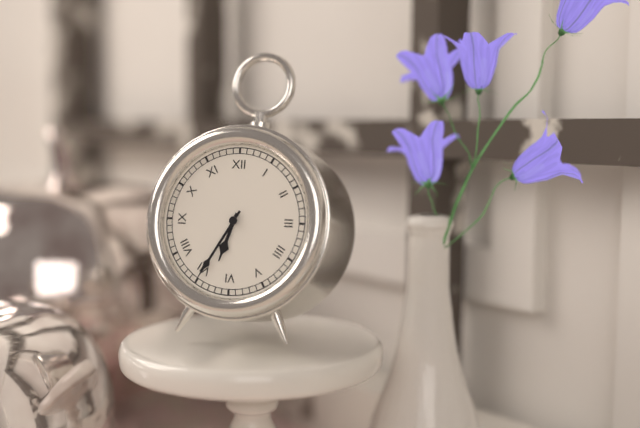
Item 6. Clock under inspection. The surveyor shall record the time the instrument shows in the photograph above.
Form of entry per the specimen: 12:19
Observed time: 6:35
